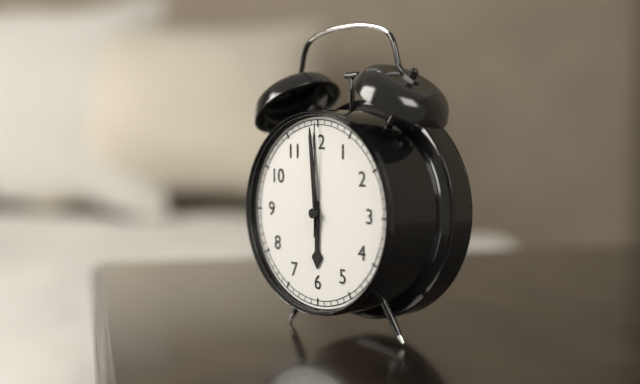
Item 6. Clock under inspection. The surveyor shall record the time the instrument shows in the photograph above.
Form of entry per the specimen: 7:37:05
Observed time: 5:59:00
